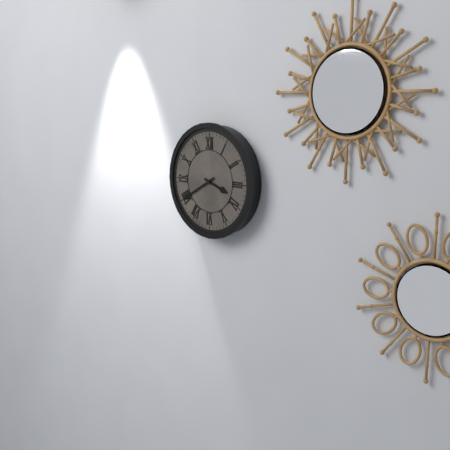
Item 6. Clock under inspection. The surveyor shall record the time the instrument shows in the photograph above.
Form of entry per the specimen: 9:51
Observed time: 3:40
